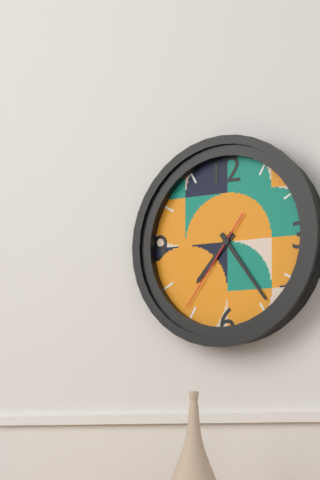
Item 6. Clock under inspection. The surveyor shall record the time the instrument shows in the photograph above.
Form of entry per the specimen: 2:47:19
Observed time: 7:24:36
